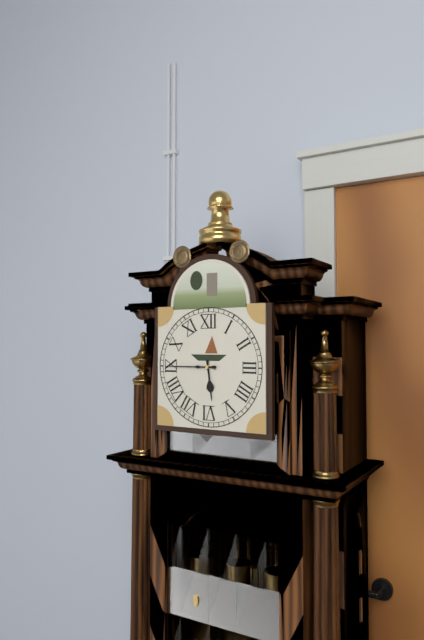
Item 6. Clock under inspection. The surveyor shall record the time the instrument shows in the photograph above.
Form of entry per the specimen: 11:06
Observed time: 5:45
